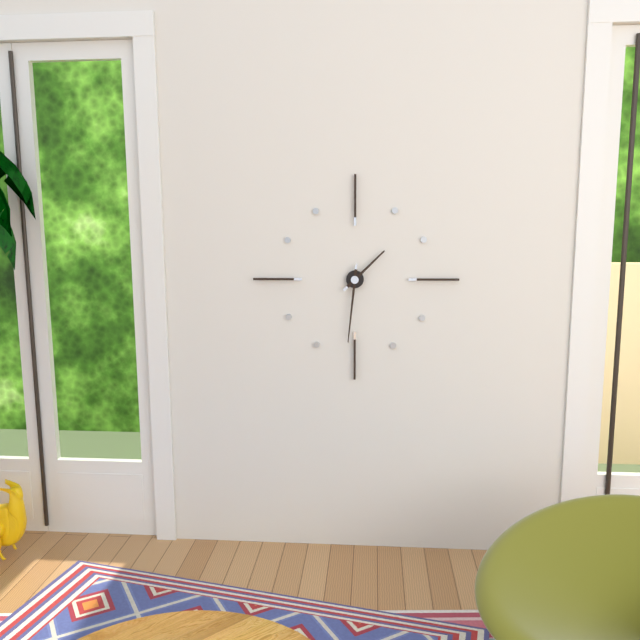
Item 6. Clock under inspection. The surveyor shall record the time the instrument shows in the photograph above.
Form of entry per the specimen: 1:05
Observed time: 1:31
